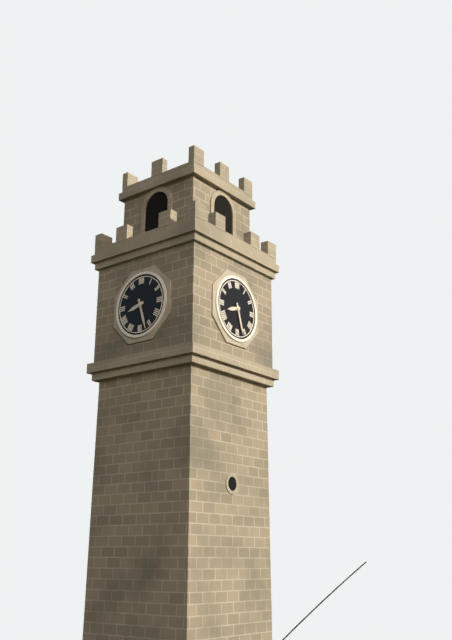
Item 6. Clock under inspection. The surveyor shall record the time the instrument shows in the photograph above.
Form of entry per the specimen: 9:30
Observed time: 8:27
